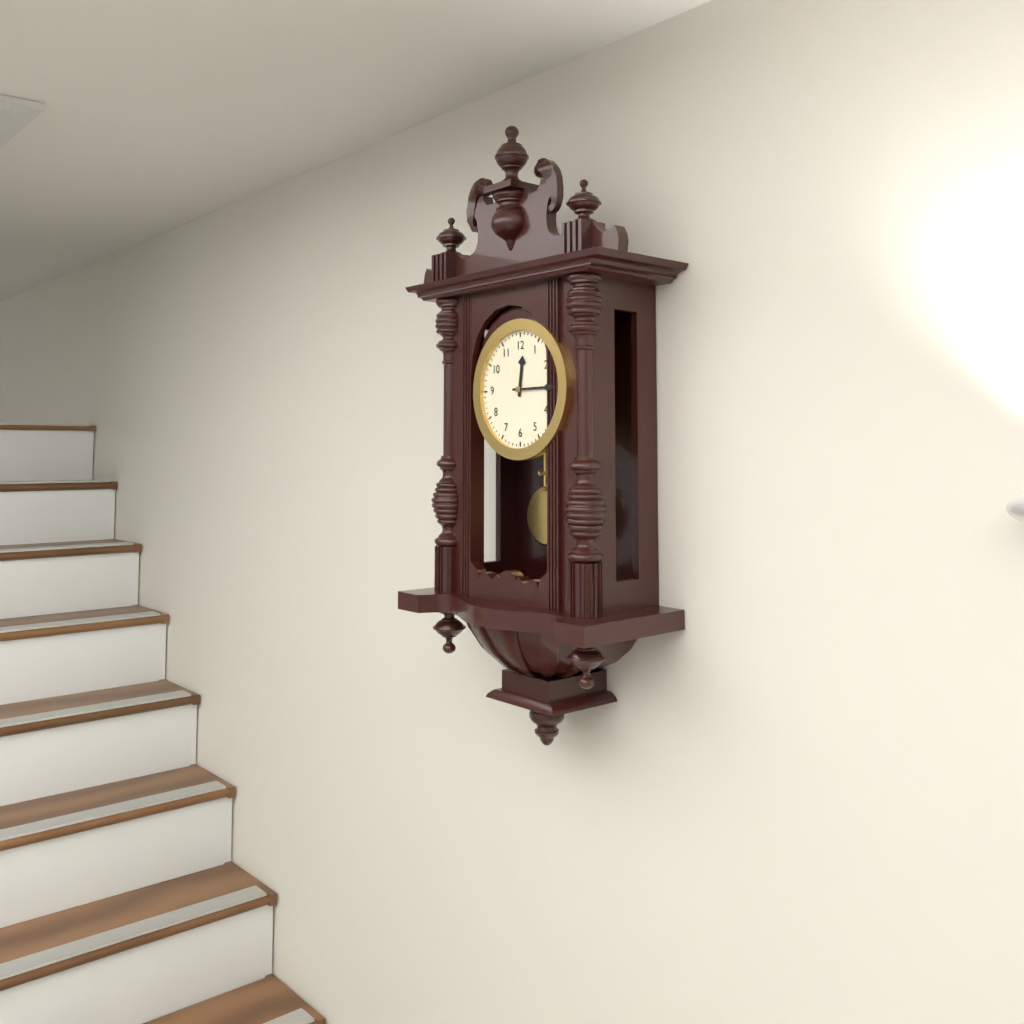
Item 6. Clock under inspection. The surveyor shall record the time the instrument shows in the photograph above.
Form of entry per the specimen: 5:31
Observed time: 12:15
